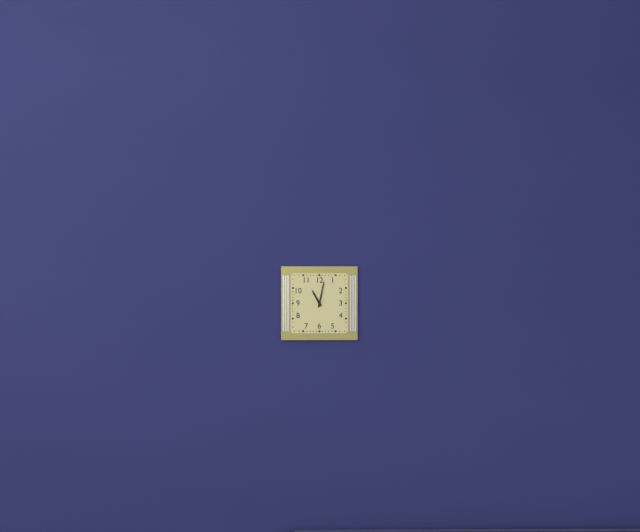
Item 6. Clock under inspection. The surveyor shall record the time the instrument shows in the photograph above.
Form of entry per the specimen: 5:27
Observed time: 11:02
